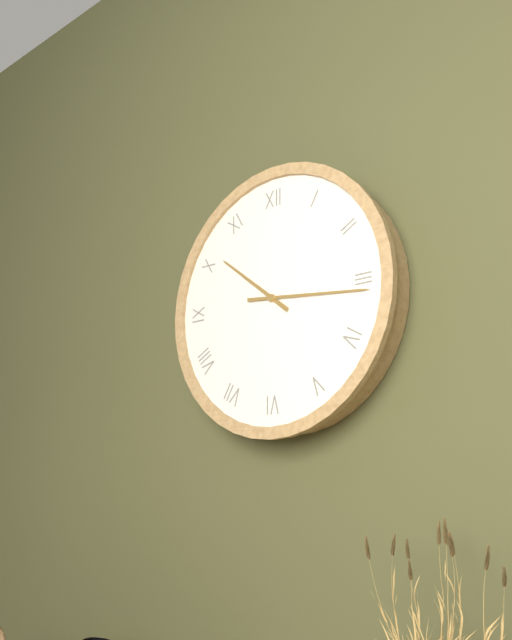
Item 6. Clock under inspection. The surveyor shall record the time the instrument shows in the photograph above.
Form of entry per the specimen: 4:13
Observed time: 10:16
